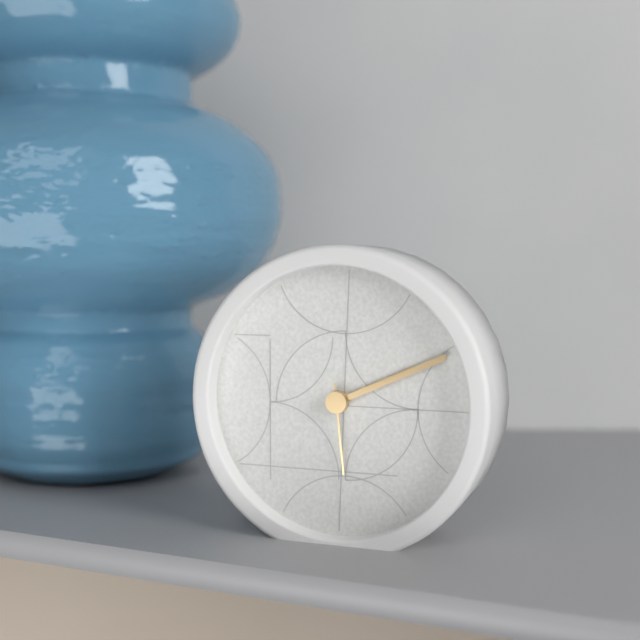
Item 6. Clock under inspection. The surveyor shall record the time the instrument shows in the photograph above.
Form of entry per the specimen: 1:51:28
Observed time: 2:11:29
